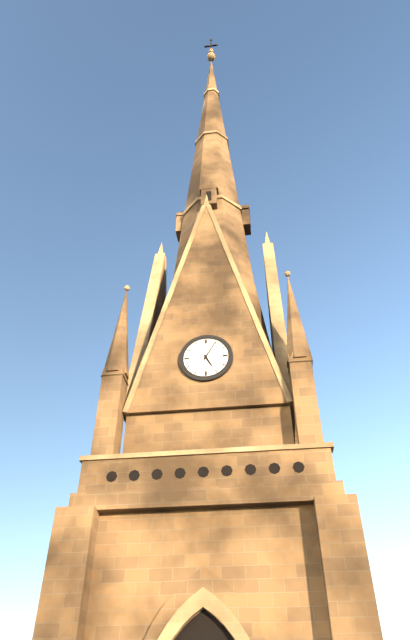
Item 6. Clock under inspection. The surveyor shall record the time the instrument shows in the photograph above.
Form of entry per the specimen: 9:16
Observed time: 5:05
